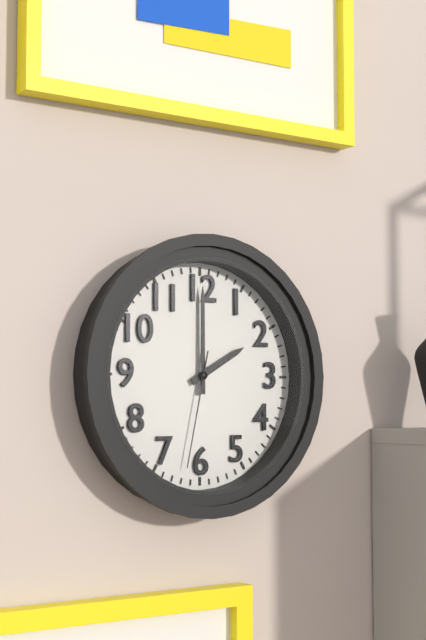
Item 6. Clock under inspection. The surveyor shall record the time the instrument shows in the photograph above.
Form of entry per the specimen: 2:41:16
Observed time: 2:00:32
